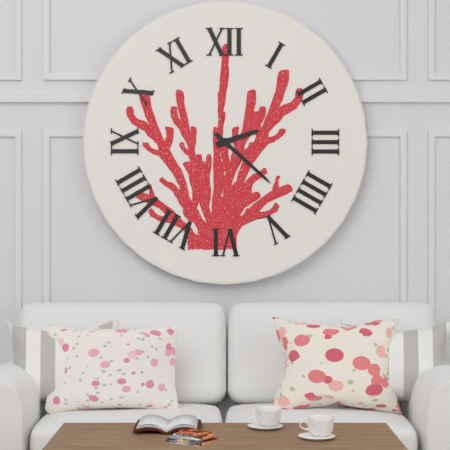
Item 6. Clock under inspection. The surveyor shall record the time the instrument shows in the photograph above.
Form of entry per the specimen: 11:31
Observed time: 2:22
